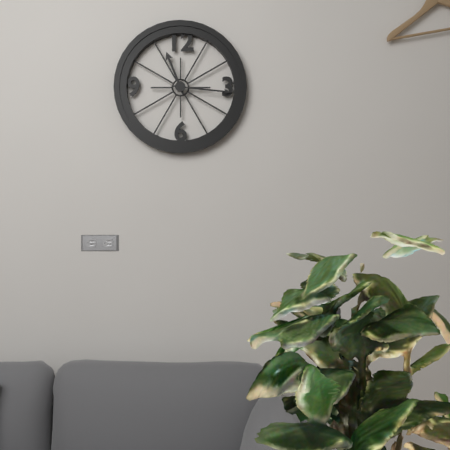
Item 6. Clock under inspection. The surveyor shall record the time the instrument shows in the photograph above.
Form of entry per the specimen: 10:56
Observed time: 11:16
